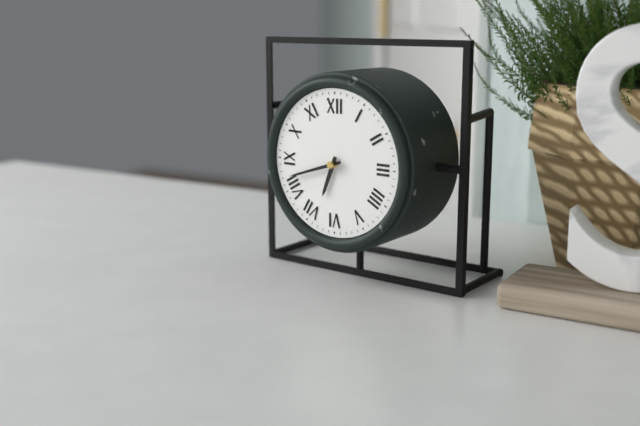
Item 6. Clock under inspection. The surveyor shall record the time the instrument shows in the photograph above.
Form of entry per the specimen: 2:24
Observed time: 6:42
